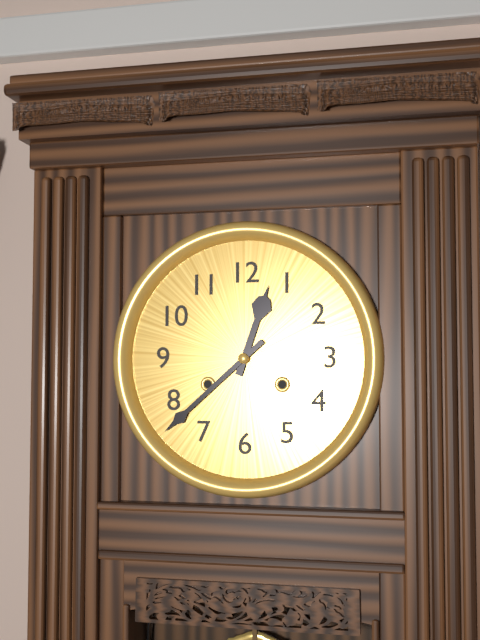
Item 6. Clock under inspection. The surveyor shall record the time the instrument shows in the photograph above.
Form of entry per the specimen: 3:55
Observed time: 12:38
